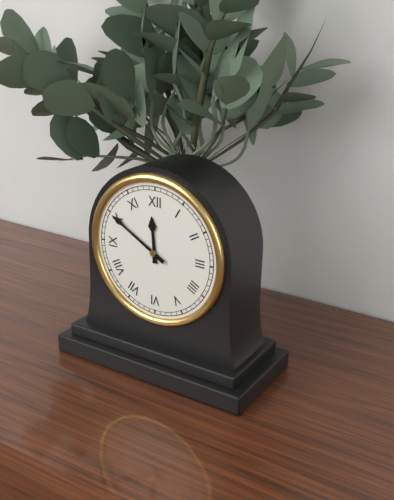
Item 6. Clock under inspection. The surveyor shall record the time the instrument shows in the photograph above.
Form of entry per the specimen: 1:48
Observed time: 11:50
